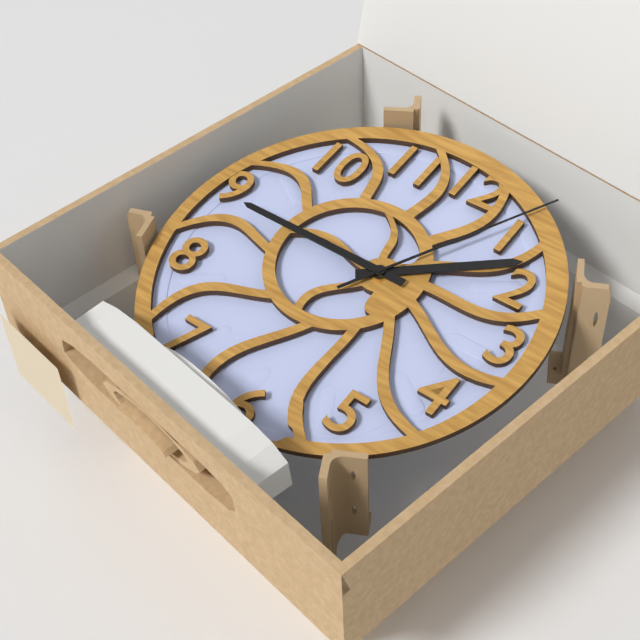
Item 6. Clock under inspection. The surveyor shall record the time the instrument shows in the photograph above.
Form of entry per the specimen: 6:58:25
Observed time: 1:45:05
